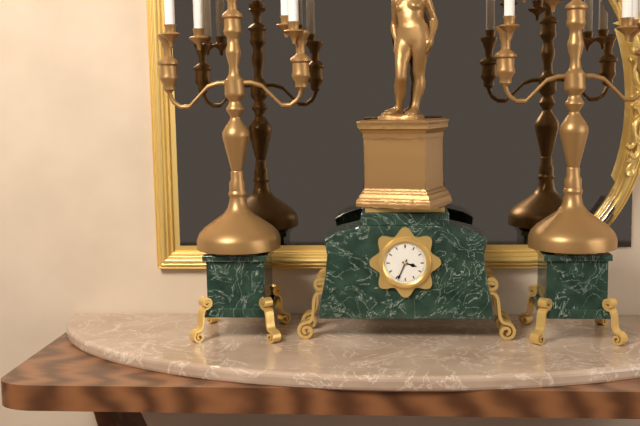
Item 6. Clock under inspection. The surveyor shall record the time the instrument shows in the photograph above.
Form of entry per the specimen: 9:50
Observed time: 3:34
